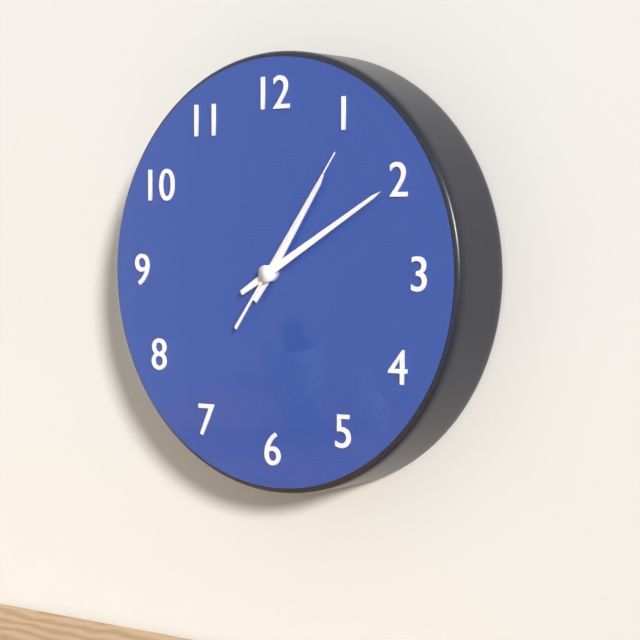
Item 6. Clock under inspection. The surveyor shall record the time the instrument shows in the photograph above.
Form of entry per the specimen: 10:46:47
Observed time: 1:10:06
